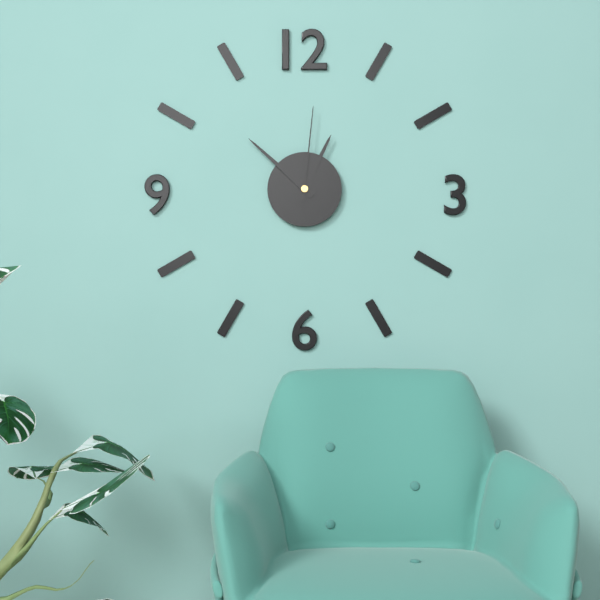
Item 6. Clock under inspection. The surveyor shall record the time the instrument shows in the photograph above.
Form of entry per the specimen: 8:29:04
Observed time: 12:52:01
